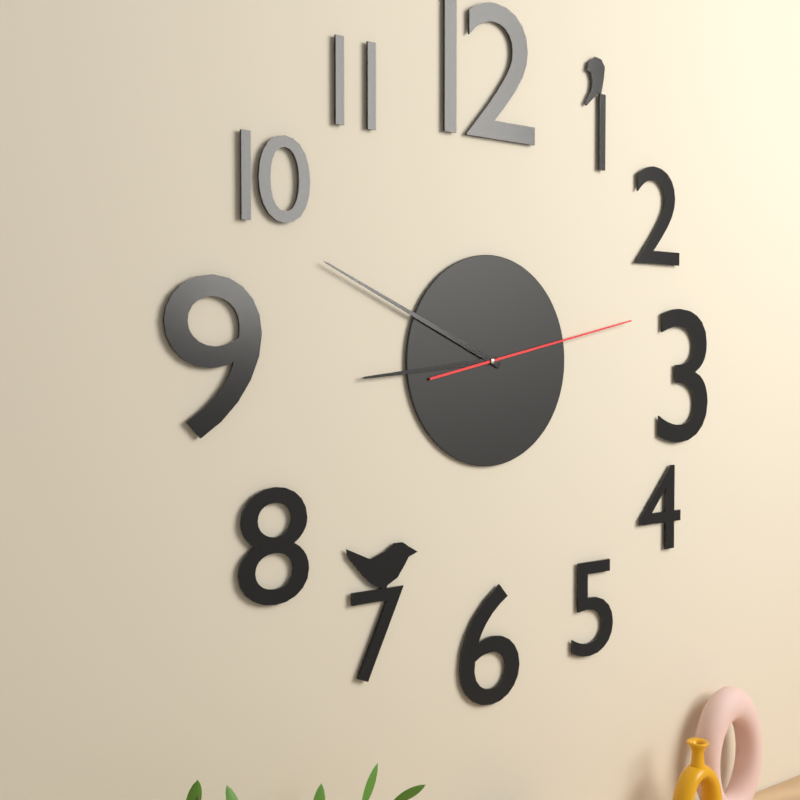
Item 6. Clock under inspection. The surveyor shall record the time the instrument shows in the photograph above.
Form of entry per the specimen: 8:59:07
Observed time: 8:49:13
